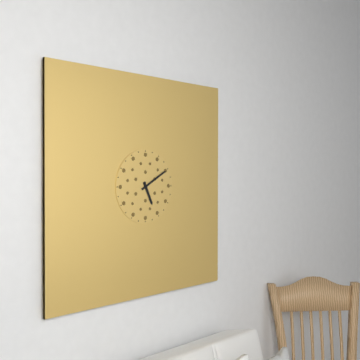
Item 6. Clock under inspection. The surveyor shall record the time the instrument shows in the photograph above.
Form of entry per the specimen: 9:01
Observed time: 5:10
